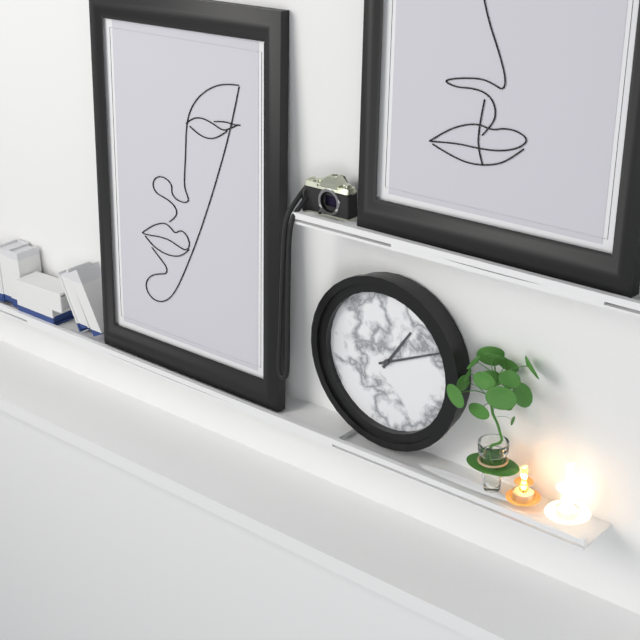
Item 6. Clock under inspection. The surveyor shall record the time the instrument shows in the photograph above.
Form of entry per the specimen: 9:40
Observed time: 1:11
